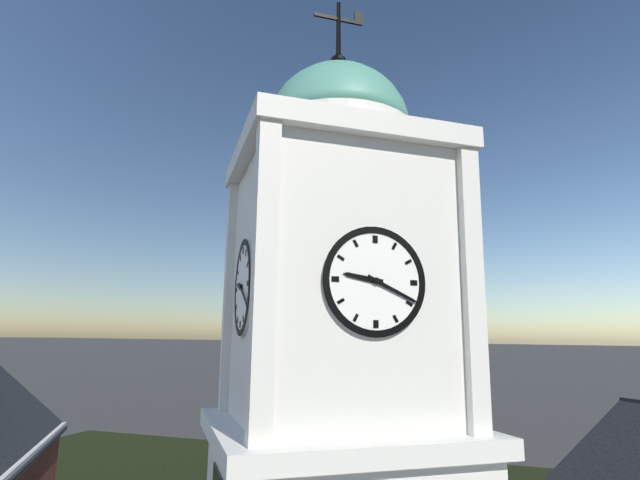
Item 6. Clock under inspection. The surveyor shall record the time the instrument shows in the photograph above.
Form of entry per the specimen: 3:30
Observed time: 9:19
